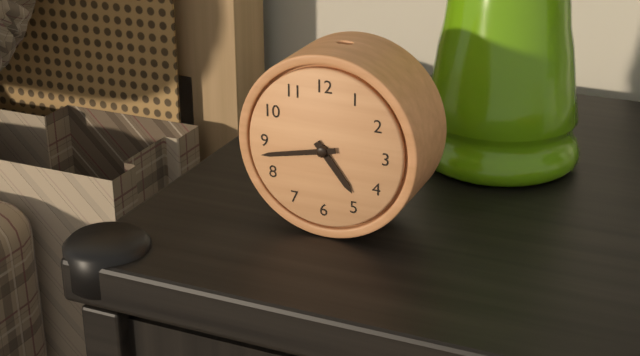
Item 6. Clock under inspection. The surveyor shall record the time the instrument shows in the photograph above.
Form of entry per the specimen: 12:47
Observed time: 4:43
